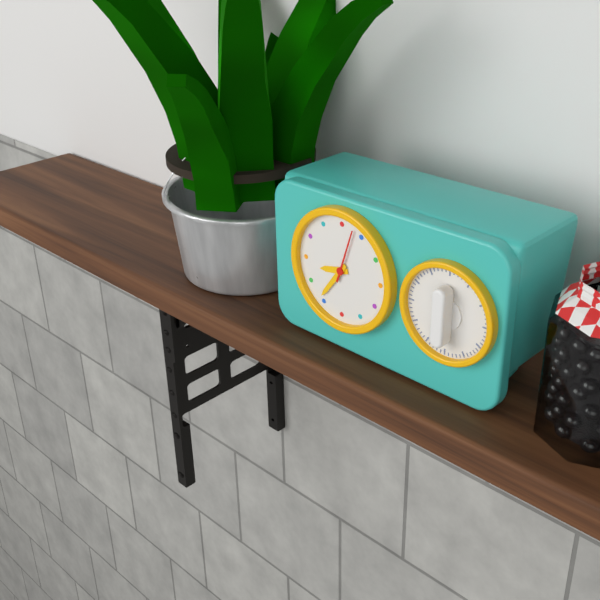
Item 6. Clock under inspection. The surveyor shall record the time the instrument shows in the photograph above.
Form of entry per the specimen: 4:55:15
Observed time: 8:36:03
